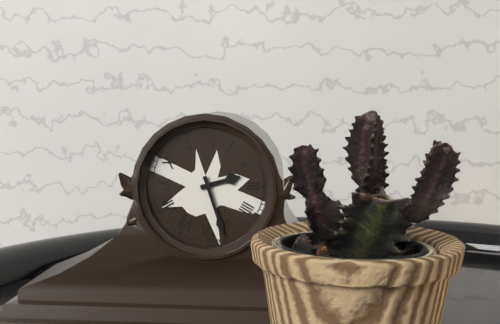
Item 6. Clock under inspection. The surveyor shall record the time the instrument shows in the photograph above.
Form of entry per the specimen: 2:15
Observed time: 2:27
